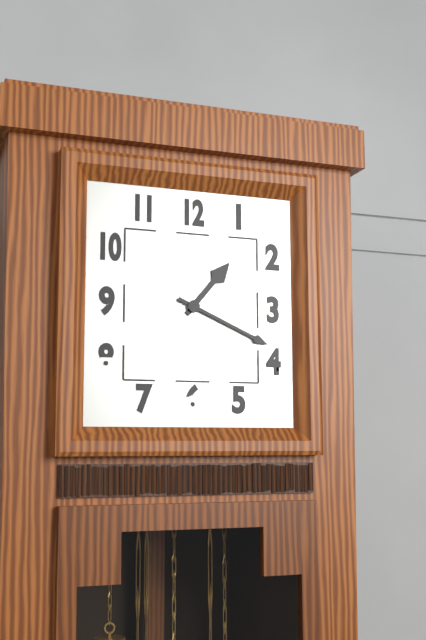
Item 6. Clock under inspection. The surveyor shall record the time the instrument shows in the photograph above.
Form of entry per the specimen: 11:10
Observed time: 1:19
